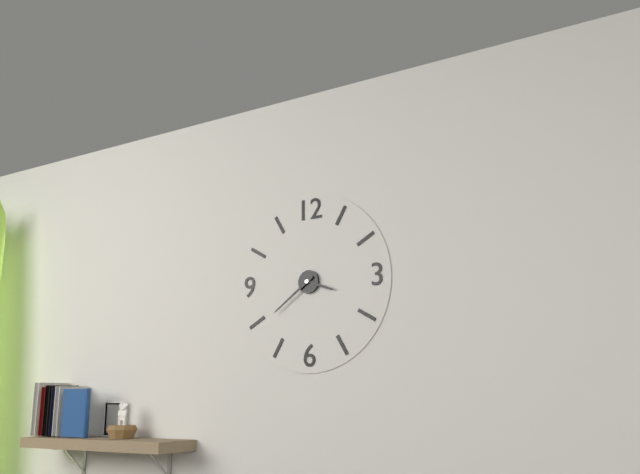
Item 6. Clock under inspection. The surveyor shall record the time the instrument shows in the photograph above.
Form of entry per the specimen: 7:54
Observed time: 3:39
